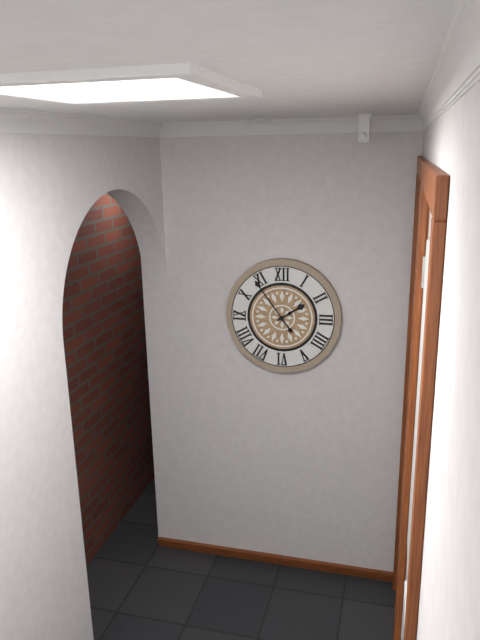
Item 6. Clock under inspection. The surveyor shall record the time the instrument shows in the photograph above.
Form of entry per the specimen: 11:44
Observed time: 1:54
